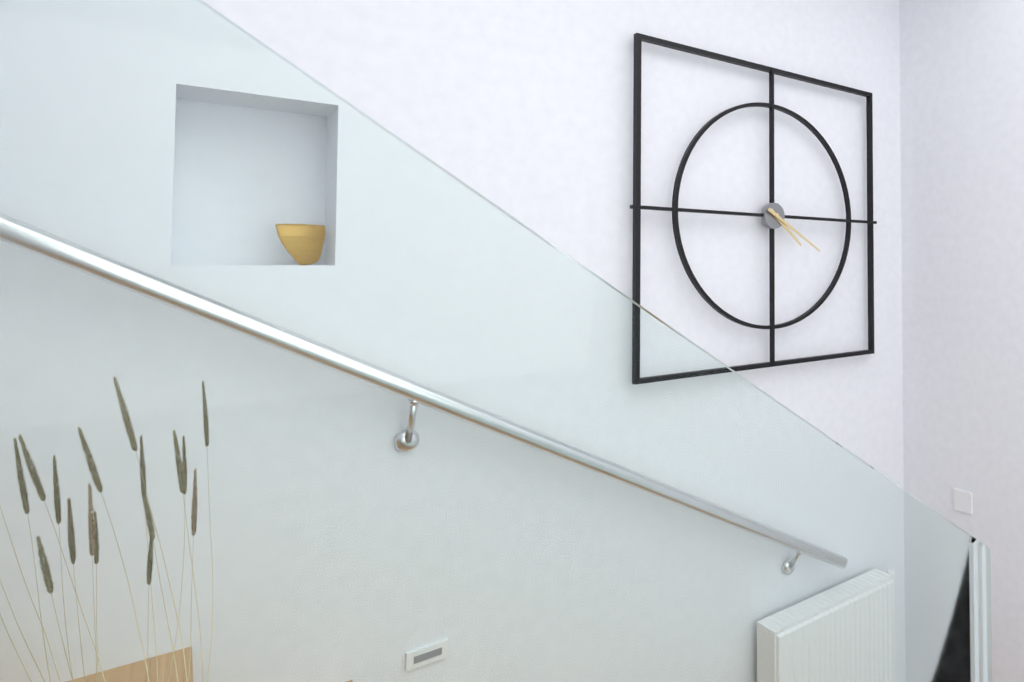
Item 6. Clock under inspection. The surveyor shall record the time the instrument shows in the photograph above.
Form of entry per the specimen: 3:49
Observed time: 4:20
